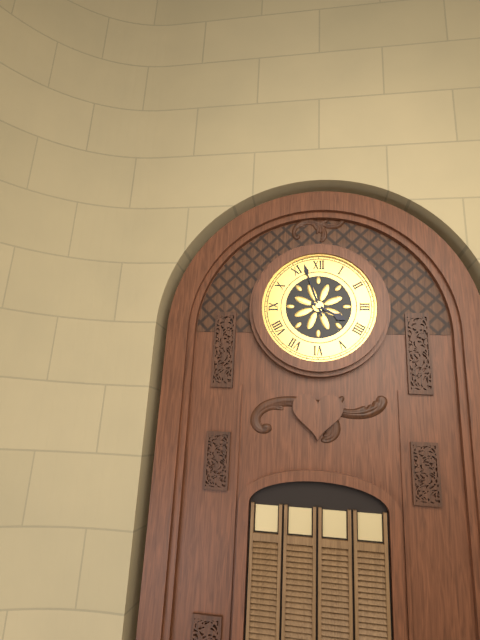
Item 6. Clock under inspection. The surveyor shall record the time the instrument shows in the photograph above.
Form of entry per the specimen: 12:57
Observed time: 3:57
